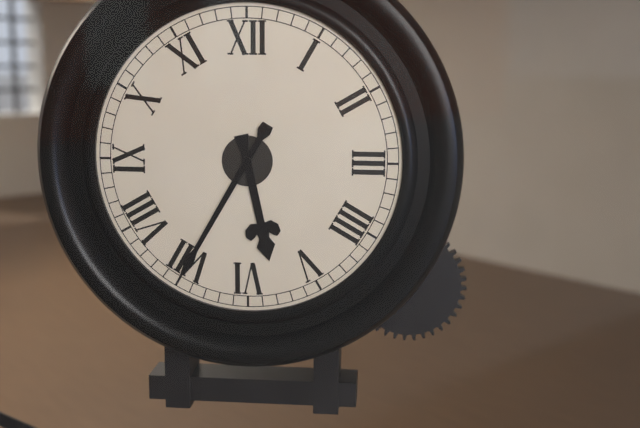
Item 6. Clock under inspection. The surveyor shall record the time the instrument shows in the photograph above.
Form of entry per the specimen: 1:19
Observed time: 5:35
